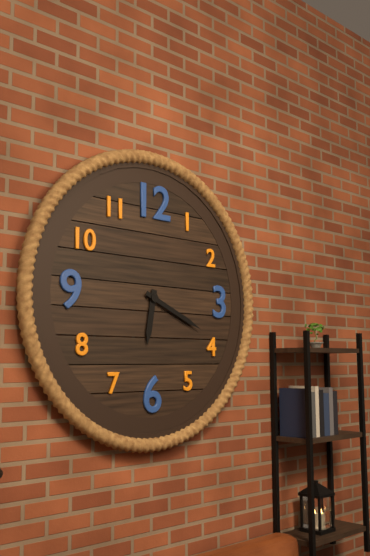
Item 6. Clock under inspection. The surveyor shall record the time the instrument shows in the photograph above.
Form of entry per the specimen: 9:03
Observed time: 6:19
